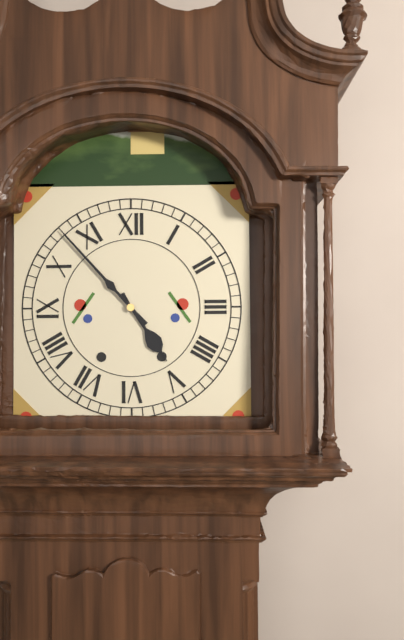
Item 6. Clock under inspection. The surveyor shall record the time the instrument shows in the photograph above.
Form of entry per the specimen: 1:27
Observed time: 4:53
